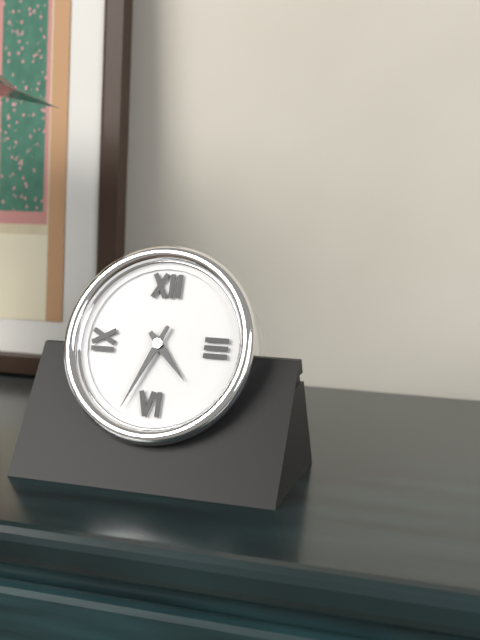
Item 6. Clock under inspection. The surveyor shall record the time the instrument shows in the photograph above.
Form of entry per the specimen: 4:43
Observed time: 4:34
